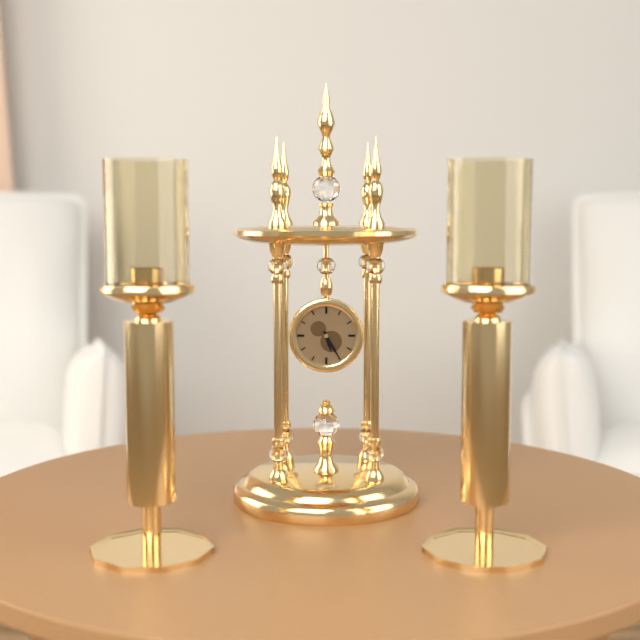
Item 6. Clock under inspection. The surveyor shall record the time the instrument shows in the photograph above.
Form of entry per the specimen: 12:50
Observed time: 5:25
